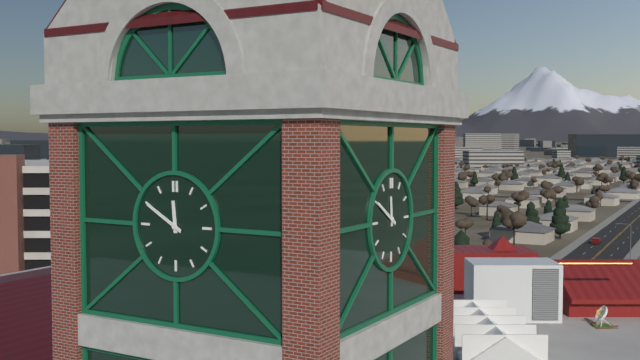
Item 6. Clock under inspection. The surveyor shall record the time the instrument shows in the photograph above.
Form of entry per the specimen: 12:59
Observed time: 11:50
